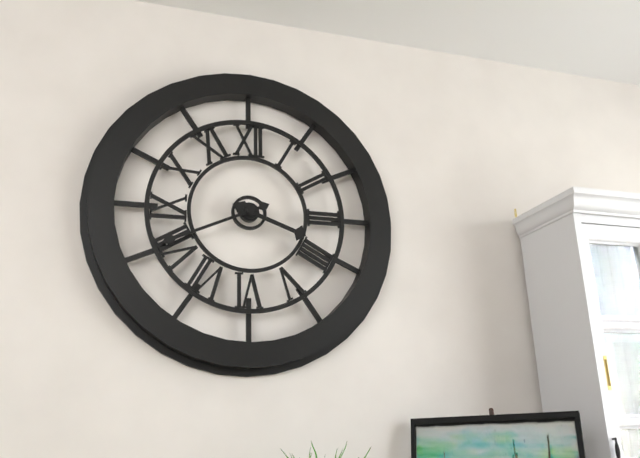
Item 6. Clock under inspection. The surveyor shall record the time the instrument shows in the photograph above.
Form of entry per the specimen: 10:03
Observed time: 3:41
